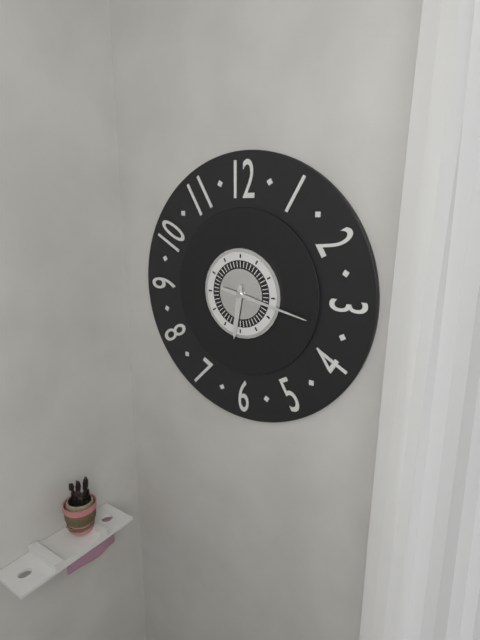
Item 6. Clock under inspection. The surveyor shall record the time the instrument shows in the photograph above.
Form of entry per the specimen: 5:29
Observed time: 6:17
